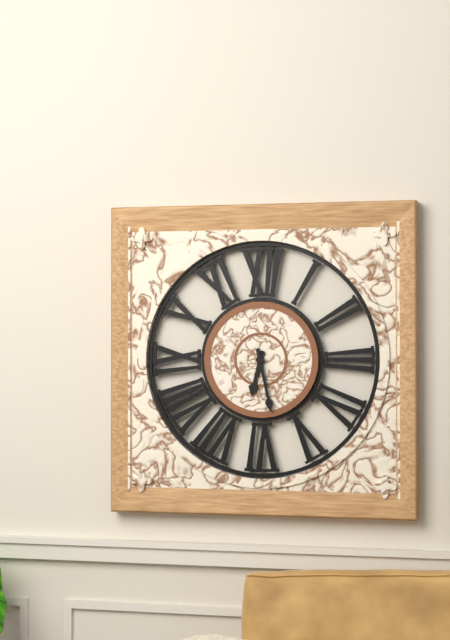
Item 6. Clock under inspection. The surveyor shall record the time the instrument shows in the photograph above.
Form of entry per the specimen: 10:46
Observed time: 6:28
